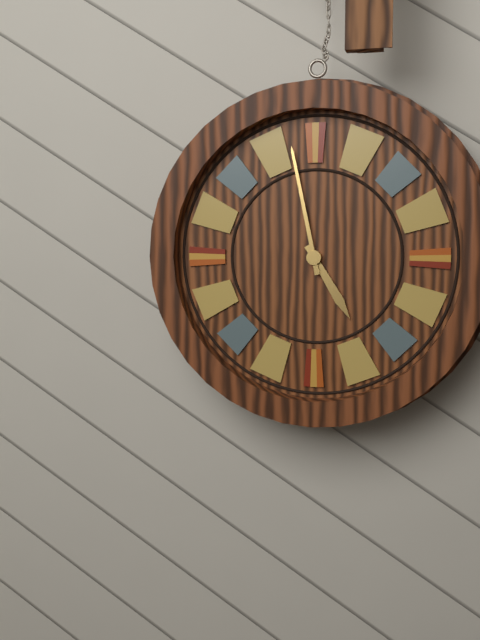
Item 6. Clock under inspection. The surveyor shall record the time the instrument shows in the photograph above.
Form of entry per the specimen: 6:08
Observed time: 4:58
